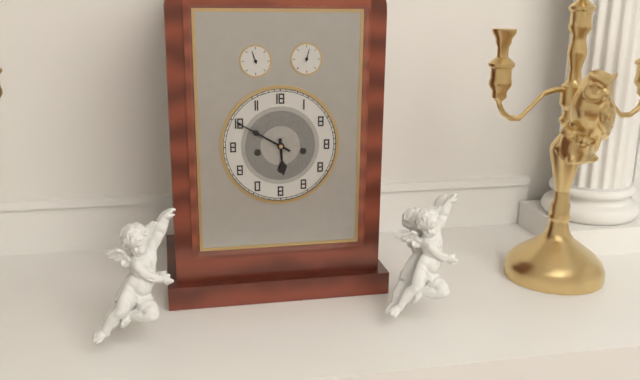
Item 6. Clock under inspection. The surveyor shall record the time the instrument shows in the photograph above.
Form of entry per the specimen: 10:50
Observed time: 5:50
